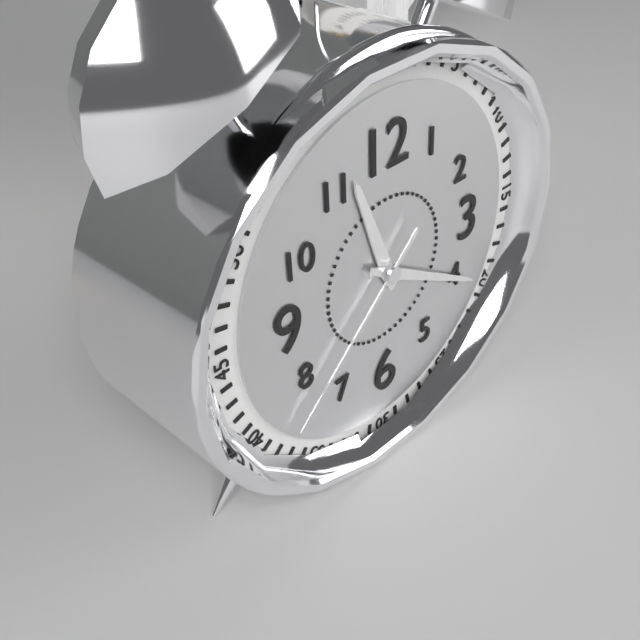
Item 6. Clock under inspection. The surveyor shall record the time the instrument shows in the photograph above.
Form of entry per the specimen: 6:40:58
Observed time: 11:20:38
